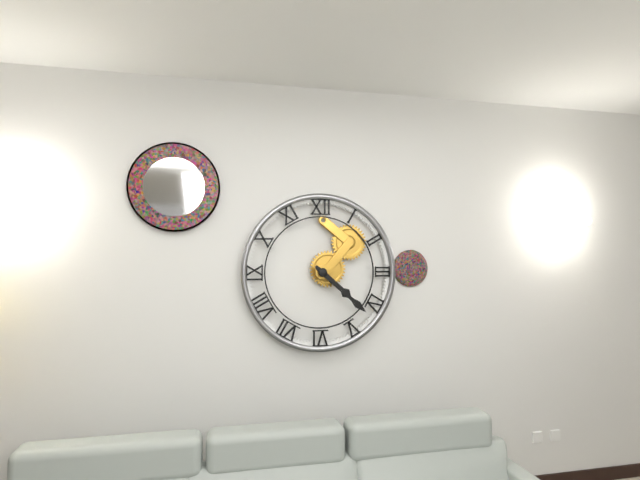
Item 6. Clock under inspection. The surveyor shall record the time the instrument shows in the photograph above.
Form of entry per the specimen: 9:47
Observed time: 4:22
